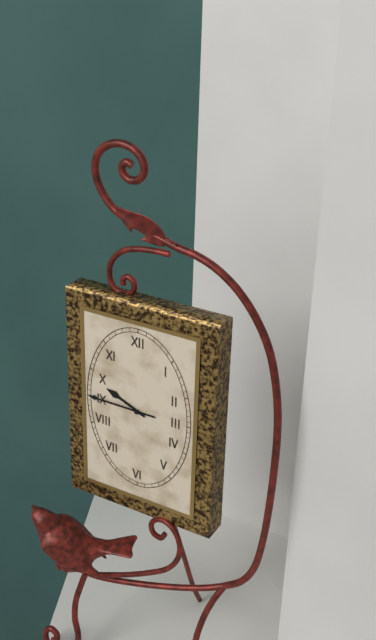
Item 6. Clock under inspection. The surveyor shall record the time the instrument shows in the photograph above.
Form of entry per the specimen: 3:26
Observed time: 9:45
